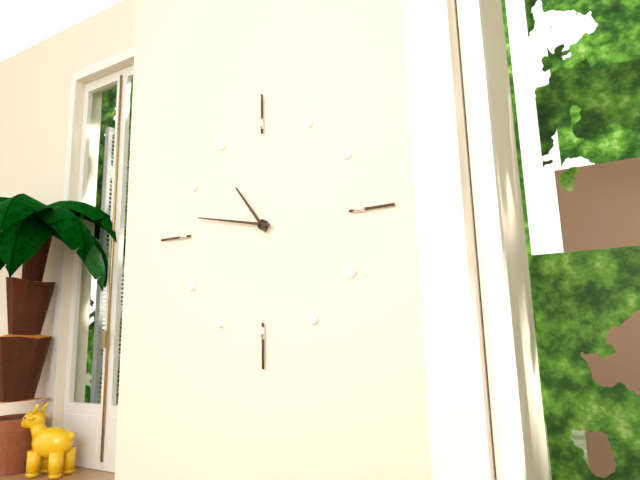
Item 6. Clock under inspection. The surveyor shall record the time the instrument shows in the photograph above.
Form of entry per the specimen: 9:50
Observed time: 10:47
